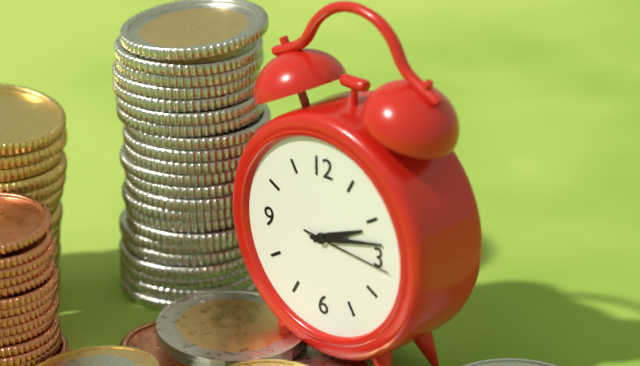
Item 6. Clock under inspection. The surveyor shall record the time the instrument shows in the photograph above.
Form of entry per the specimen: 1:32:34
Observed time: 2:13:16
